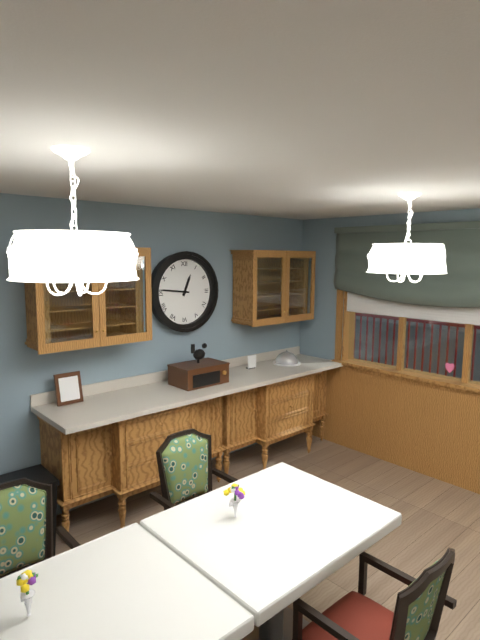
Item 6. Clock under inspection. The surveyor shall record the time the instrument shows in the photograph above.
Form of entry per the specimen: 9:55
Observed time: 12:46
